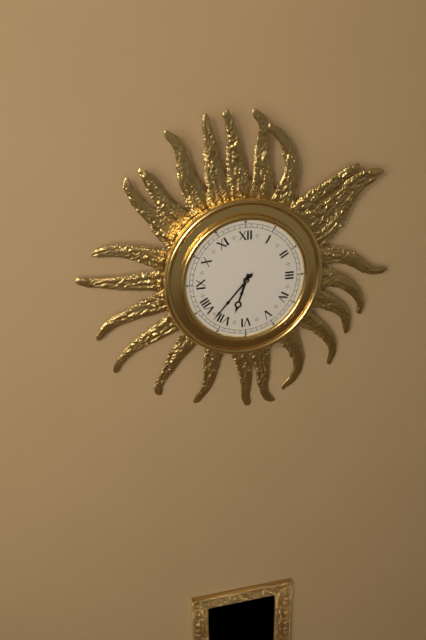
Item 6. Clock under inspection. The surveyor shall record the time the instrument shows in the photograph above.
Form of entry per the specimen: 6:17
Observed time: 6:37
